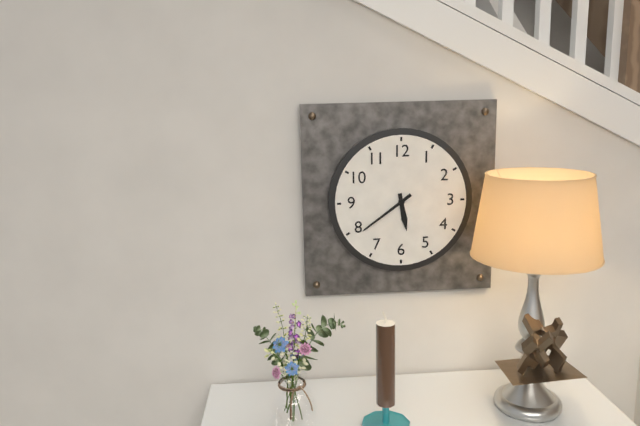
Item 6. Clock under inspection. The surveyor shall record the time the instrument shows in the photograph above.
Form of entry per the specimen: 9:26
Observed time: 5:39
